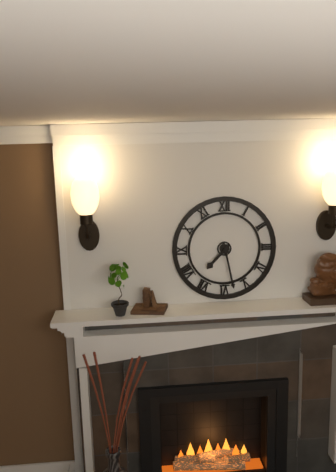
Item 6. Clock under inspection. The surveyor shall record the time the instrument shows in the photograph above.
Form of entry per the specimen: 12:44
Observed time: 7:28
